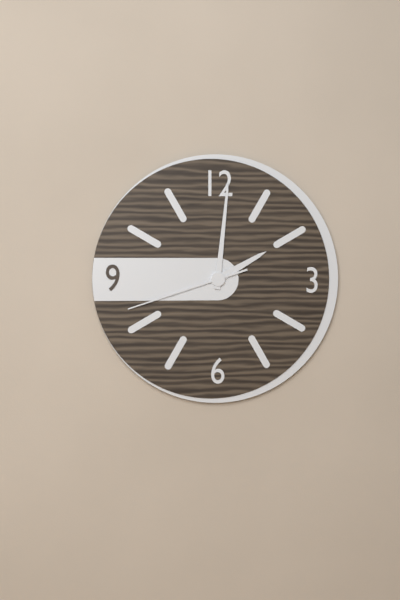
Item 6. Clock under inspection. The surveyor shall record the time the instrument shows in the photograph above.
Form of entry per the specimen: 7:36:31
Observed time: 2:01:42
